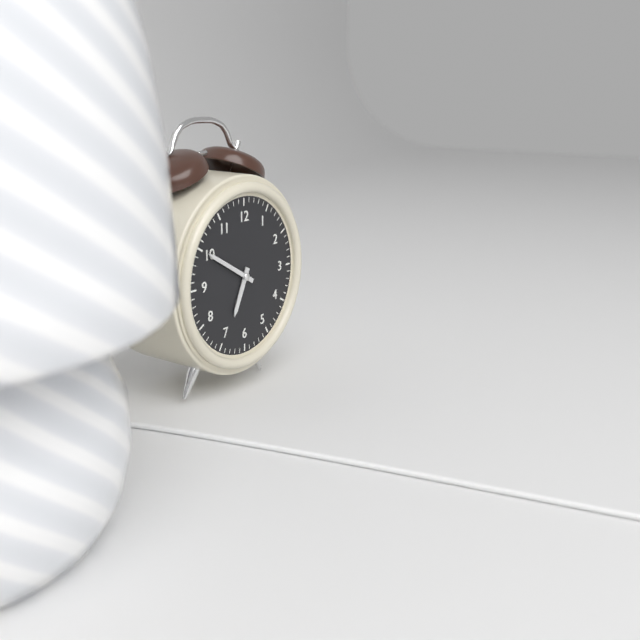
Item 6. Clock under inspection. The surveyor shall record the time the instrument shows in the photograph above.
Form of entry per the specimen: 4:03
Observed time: 6:50
